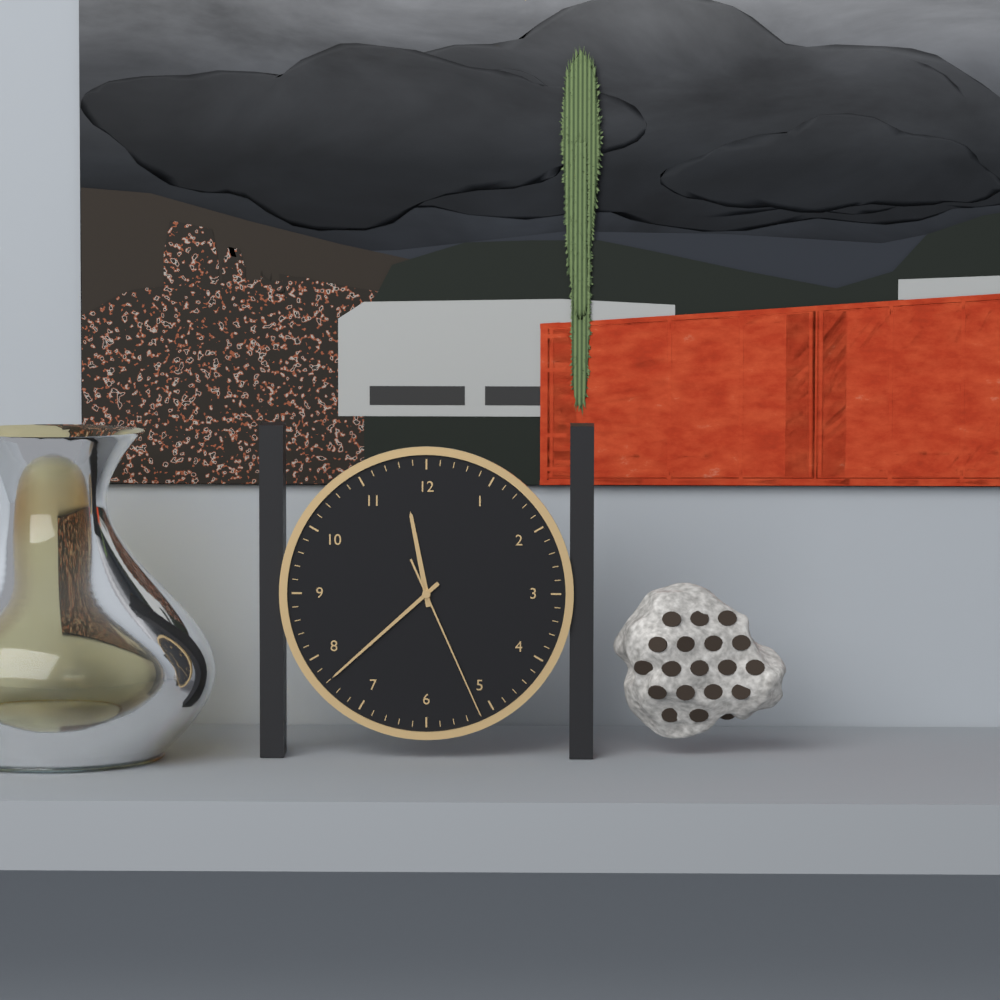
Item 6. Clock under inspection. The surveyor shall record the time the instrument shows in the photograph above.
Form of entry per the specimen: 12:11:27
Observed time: 11:38:26
